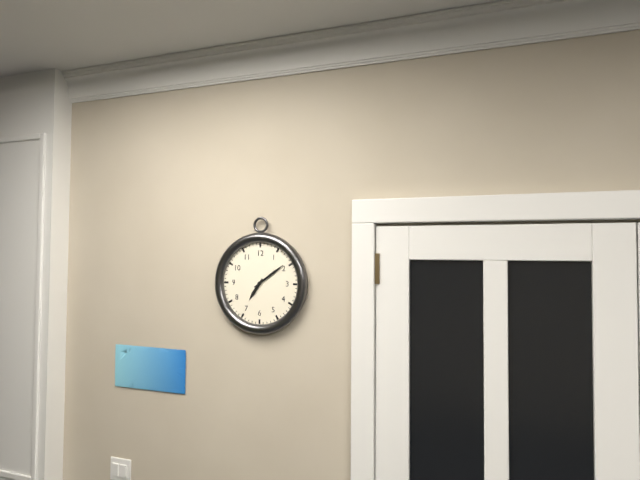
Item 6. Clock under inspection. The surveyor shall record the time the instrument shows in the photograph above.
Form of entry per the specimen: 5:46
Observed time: 7:09
